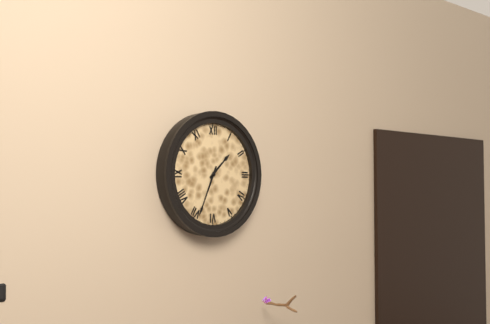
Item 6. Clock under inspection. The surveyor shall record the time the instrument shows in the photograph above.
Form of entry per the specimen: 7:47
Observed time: 1:34
